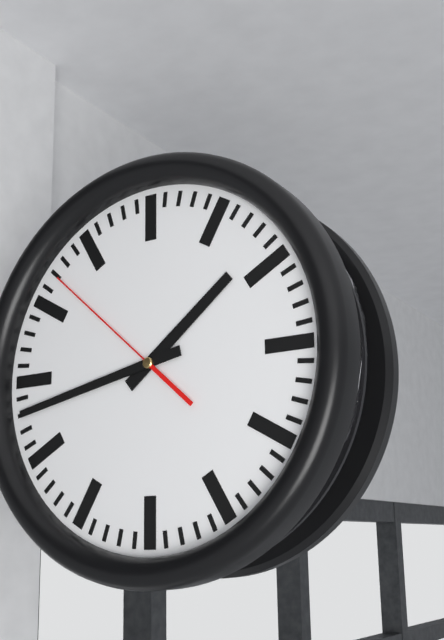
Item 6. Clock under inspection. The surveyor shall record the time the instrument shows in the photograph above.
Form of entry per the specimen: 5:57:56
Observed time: 1:43:52
